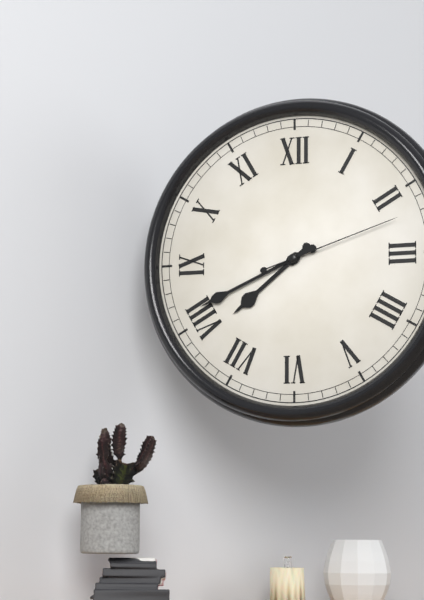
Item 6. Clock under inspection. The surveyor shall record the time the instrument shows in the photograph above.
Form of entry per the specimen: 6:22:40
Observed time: 7:41:12
